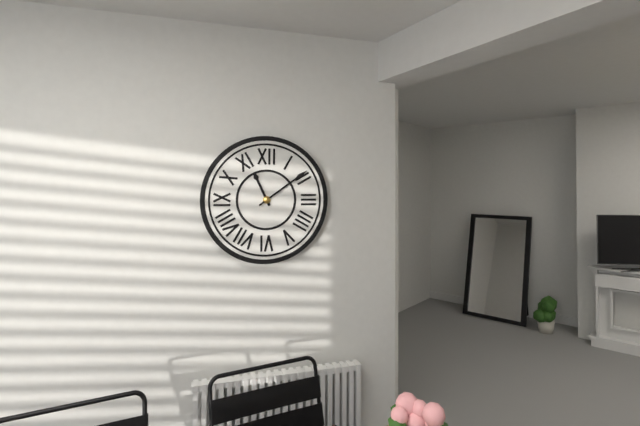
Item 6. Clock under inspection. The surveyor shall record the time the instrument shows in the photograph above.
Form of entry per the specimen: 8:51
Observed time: 11:09
